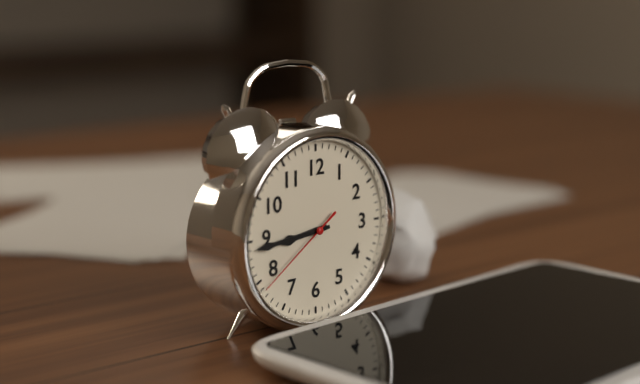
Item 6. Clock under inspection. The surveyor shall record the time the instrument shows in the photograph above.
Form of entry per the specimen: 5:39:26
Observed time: 8:44:39
